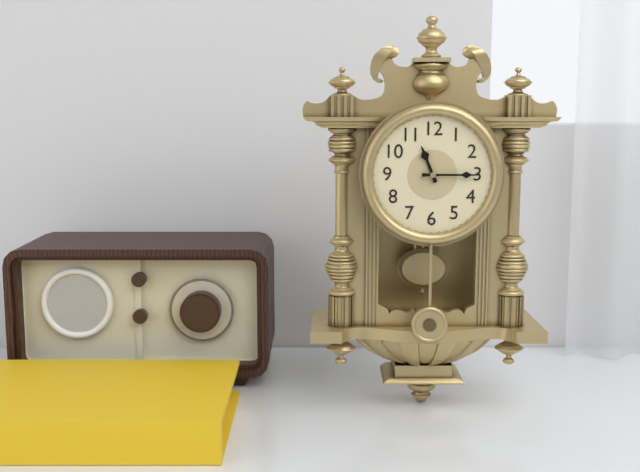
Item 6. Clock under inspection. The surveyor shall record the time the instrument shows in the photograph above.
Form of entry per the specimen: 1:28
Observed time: 11:15
